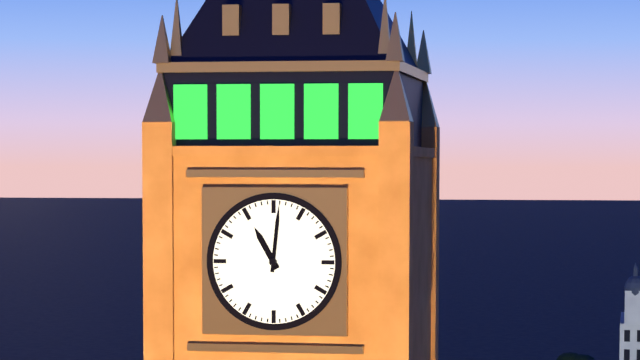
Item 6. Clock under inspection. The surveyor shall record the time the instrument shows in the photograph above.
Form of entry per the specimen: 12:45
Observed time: 11:01
